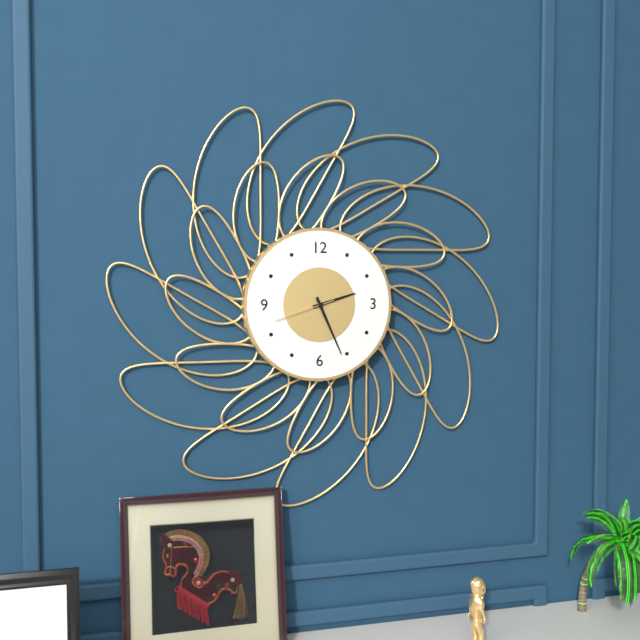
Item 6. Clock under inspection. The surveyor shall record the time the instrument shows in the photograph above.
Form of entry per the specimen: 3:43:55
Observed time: 2:26:42
